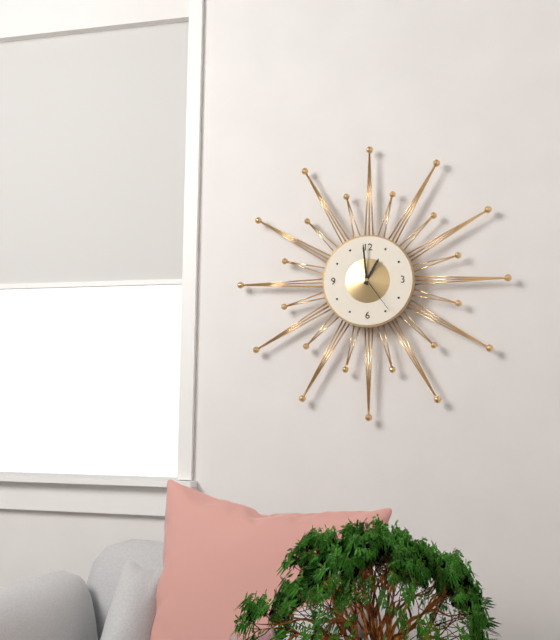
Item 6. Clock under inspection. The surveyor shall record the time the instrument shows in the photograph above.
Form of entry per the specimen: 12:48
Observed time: 12:59
